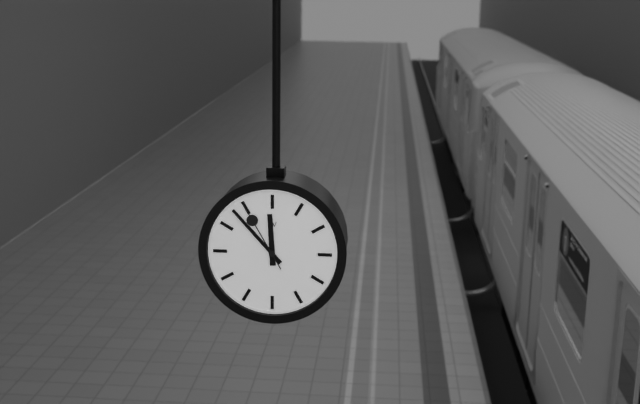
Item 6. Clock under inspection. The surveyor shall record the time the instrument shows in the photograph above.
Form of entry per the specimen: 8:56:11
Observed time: 11:53:55
